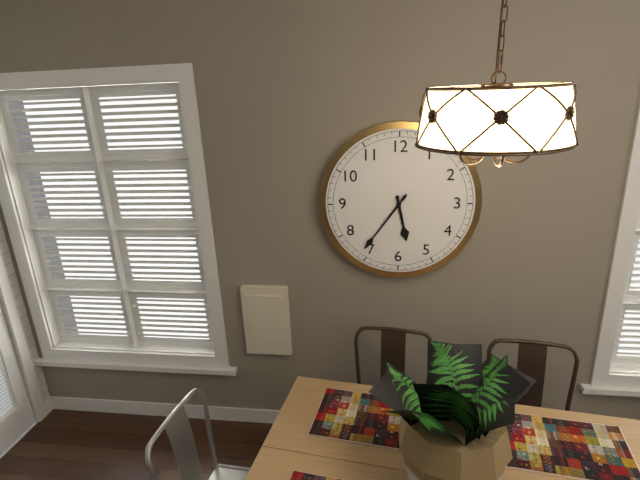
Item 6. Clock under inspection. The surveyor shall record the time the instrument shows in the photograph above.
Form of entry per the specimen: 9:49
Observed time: 5:36
